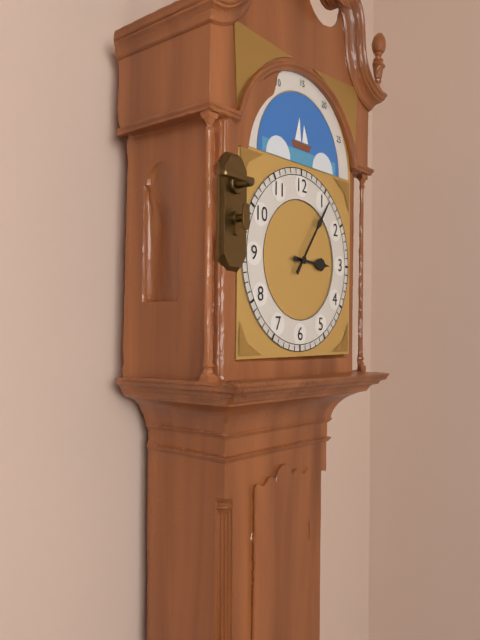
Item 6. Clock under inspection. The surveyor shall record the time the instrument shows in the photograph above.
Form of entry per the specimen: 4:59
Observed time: 3:06
